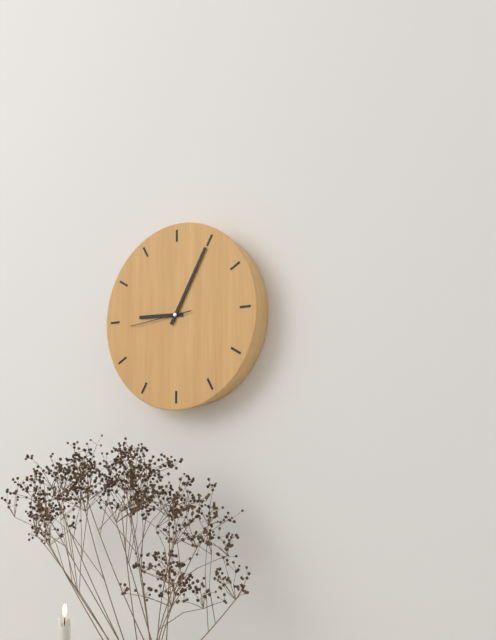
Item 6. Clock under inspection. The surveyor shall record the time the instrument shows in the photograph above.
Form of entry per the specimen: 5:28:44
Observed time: 9:05:44
